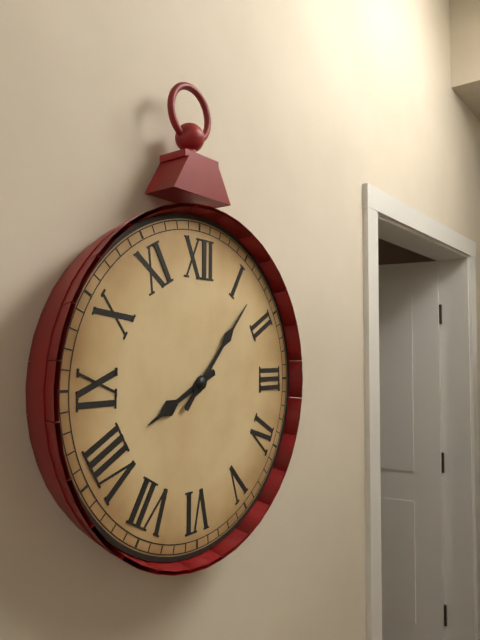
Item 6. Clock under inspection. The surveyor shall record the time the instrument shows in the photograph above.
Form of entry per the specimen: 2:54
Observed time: 8:07
